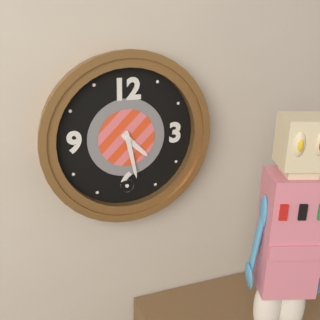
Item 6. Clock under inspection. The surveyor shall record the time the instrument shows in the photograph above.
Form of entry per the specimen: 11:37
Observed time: 4:28
